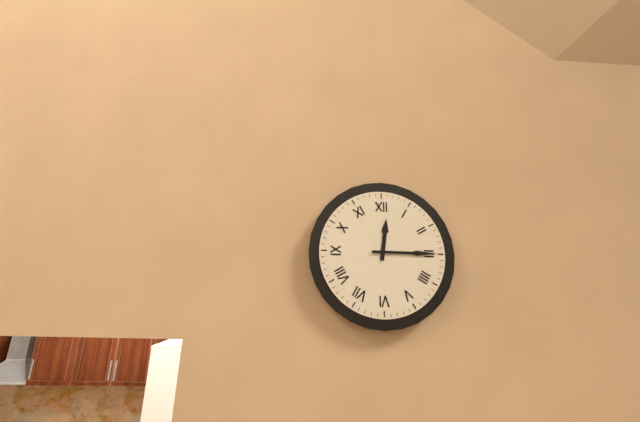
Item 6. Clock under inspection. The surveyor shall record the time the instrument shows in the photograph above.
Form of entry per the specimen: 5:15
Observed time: 12:15
